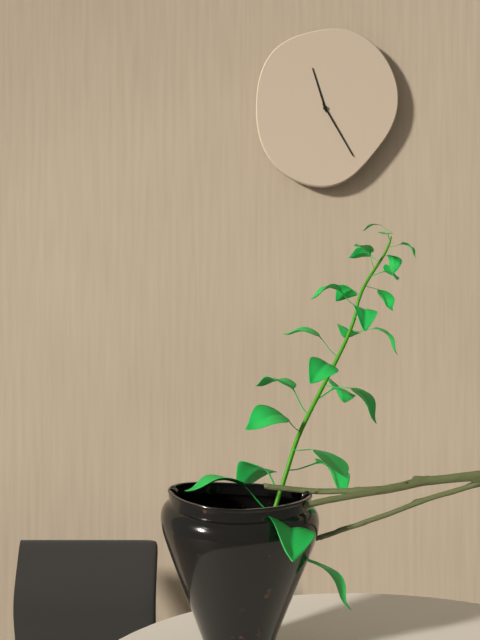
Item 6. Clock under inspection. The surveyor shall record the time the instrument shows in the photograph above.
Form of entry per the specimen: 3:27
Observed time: 11:25
